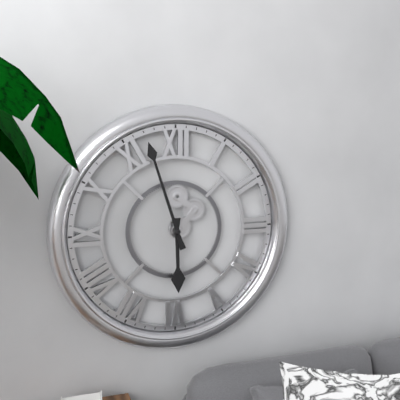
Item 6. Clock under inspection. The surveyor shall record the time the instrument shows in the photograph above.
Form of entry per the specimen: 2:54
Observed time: 5:57
